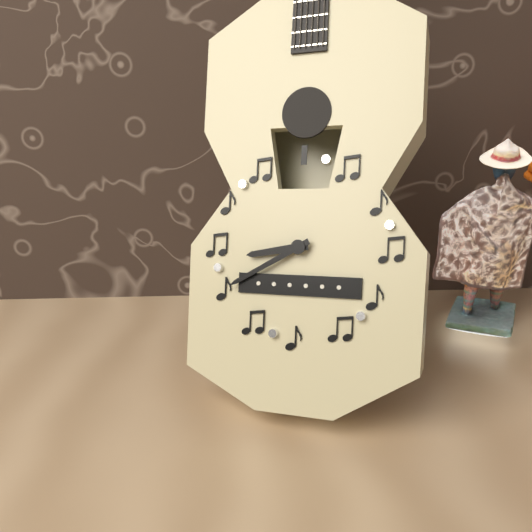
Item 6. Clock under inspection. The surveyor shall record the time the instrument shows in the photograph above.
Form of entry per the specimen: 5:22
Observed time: 8:40
